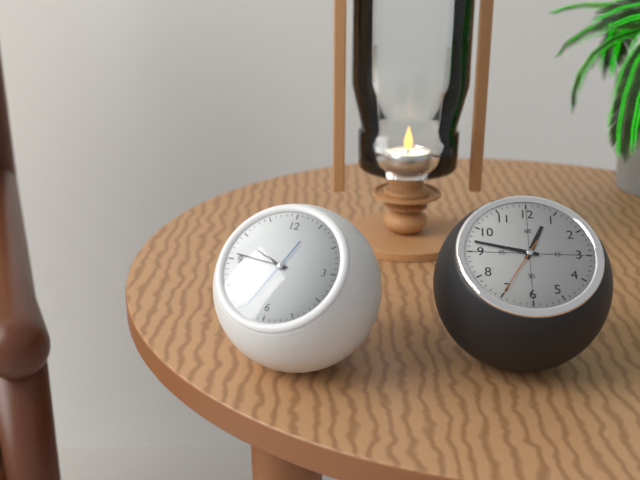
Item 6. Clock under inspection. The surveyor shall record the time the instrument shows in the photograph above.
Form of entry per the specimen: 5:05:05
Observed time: 9:46:34
